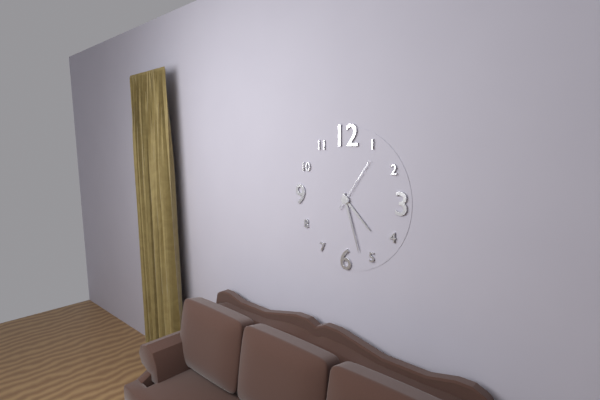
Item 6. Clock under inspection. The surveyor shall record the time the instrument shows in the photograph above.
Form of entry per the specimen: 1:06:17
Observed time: 4:27:06
